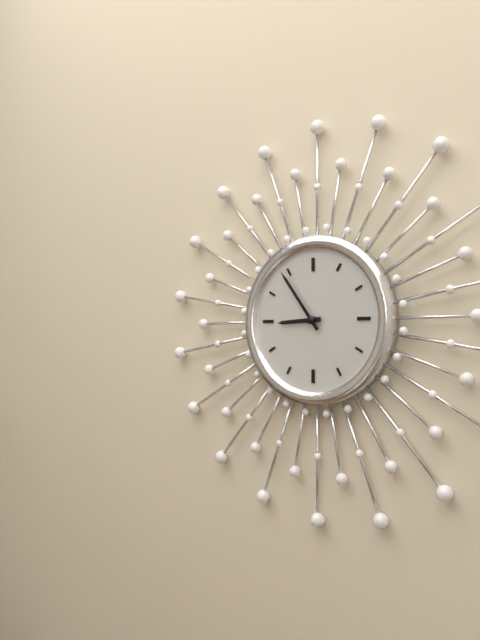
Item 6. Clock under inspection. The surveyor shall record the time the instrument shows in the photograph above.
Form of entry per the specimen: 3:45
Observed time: 8:54
